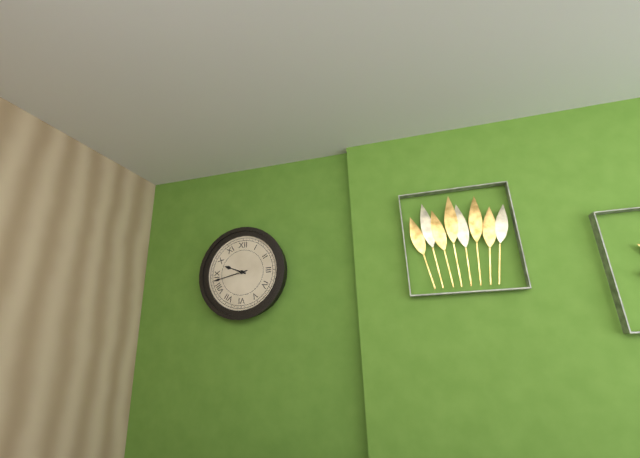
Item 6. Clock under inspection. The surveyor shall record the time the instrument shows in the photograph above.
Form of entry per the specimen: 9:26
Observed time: 9:43
